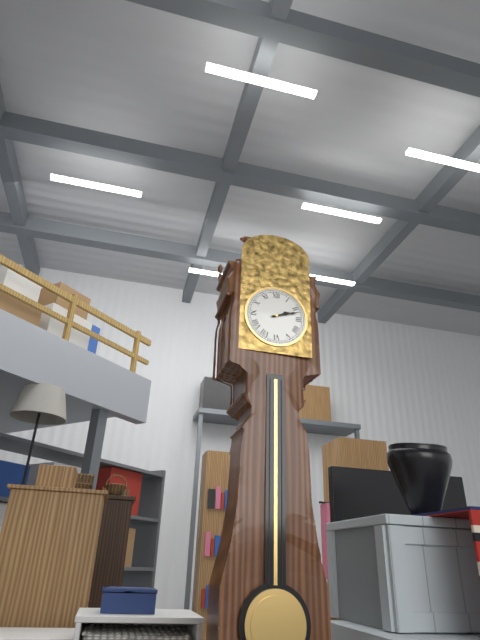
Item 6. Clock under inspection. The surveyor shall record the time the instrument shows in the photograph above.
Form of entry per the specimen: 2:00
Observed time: 2:12
